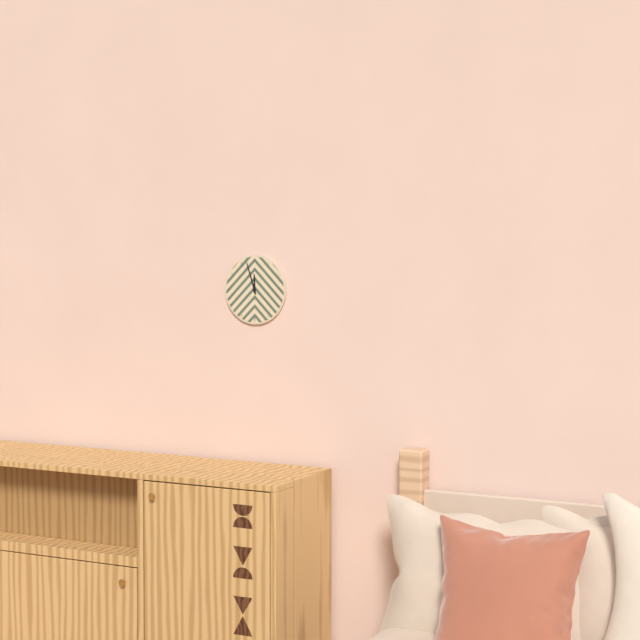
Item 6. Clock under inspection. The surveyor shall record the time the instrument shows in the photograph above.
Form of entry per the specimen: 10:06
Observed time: 11:57
